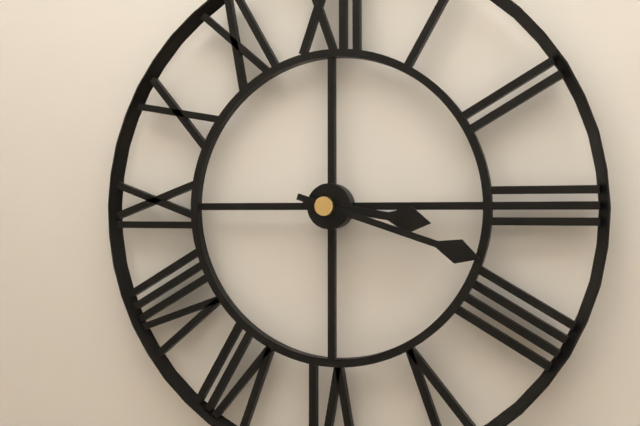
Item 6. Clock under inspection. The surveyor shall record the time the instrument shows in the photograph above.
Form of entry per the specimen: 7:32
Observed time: 3:18
